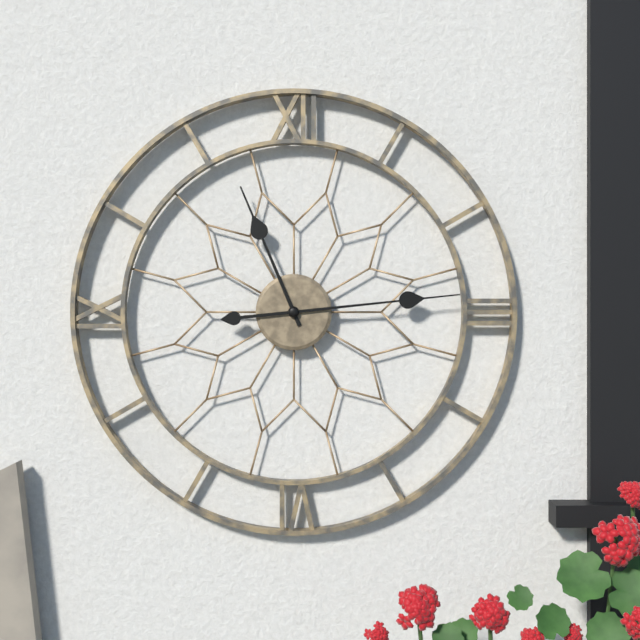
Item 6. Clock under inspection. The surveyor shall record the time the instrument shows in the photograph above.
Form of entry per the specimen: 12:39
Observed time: 11:14
